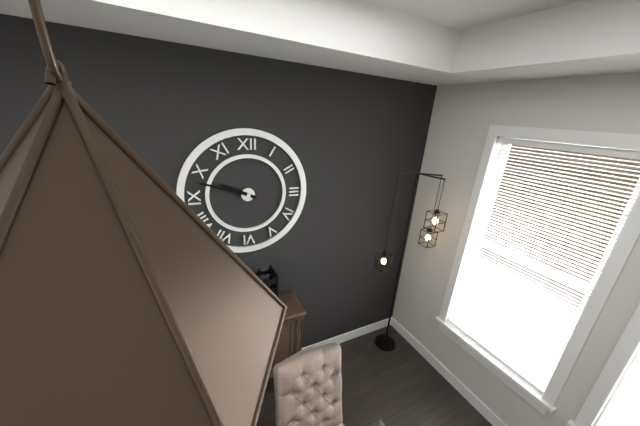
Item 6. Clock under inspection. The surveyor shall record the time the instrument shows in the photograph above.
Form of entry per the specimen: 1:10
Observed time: 9:48
